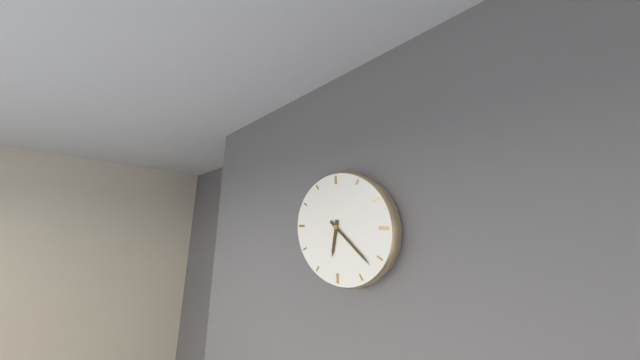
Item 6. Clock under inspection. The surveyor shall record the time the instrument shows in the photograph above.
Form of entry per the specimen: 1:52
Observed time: 6:22
